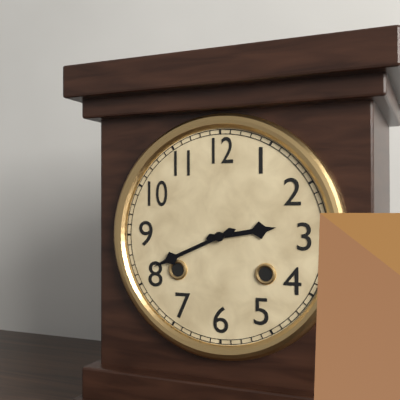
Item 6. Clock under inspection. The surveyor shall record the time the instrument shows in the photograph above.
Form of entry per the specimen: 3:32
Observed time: 2:41
